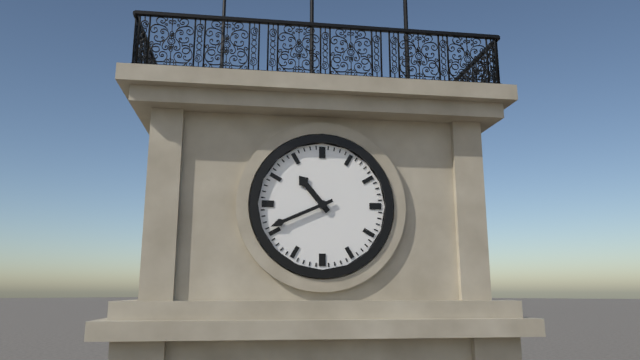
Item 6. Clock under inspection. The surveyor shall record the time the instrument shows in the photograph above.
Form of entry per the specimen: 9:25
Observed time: 10:41
